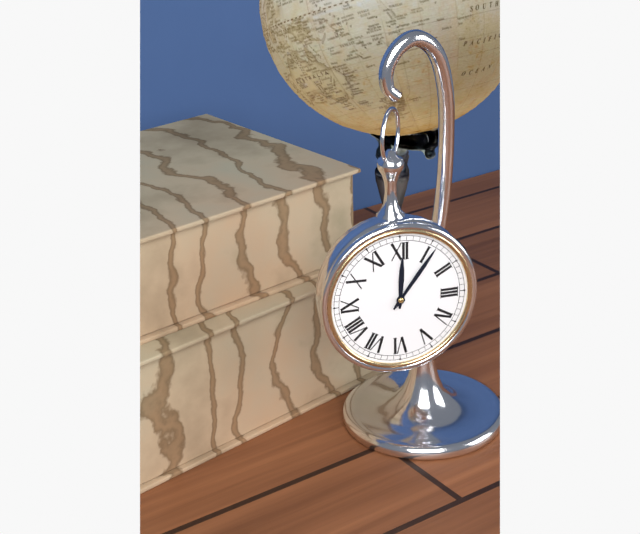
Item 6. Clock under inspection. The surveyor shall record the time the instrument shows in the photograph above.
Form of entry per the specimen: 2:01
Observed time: 12:06
